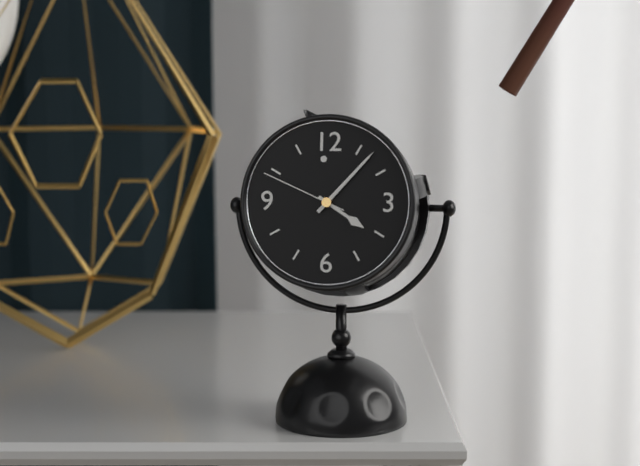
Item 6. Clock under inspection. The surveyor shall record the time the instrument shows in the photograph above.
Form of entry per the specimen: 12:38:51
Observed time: 4:07:49
